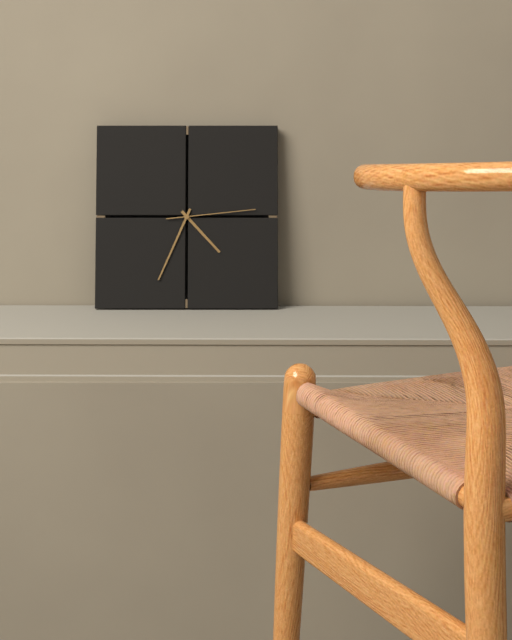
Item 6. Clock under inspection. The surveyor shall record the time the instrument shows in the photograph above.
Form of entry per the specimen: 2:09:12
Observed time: 4:34:14
